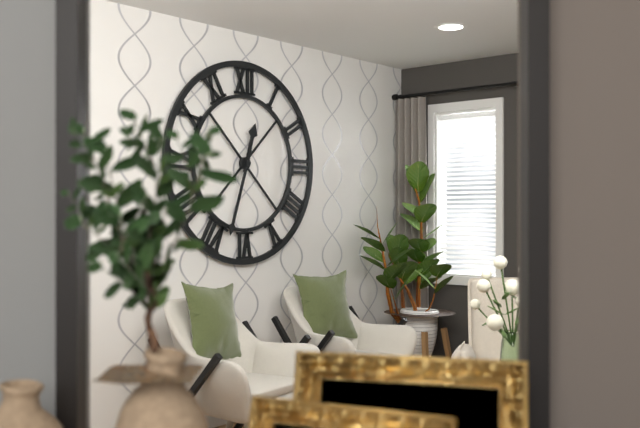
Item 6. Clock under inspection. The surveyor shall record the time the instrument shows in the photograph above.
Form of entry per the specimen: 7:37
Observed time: 12:33
